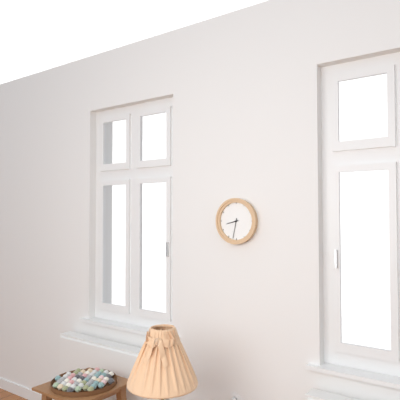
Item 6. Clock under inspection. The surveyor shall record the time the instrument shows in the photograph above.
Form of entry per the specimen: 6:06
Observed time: 8:32
